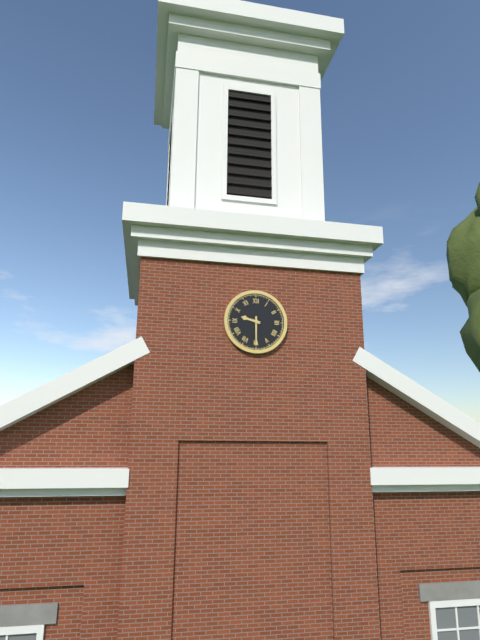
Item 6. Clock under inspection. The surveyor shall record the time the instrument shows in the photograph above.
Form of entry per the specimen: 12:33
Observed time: 9:30
